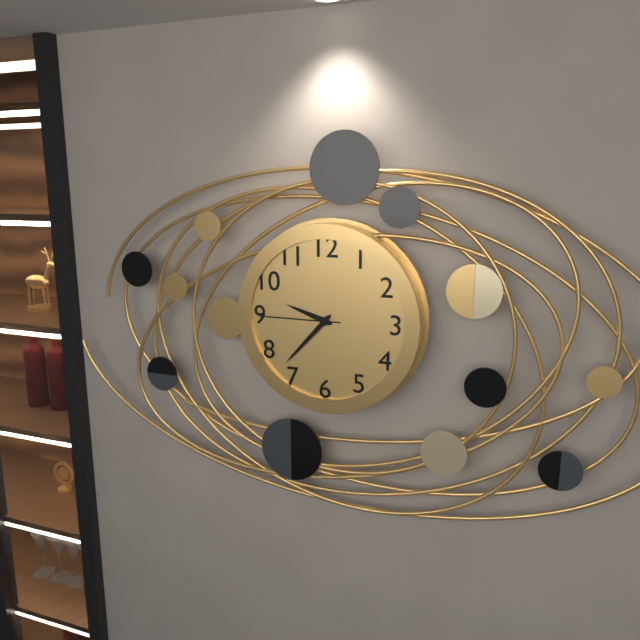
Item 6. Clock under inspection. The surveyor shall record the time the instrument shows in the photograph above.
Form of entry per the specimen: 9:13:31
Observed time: 9:37:45
